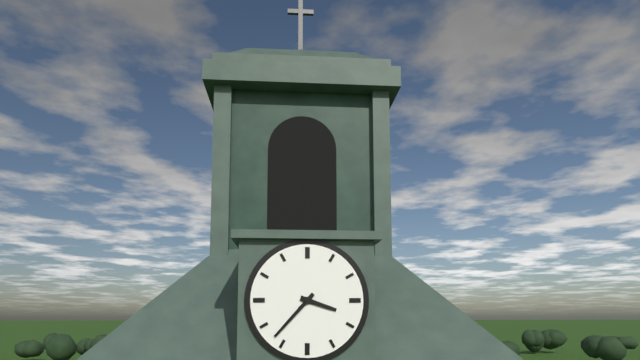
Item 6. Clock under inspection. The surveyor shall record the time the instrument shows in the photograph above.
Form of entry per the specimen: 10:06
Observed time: 3:37
